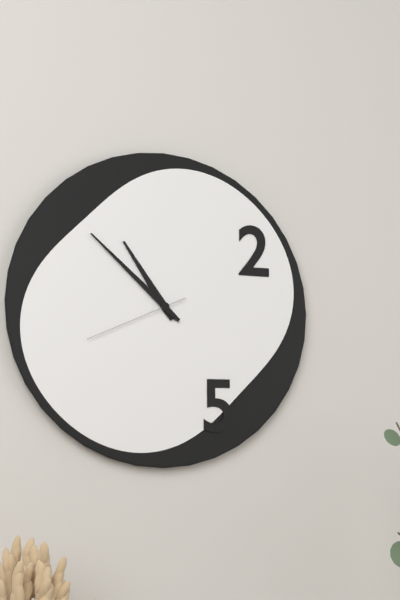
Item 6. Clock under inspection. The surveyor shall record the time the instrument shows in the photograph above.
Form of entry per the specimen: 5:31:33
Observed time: 10:52:41
